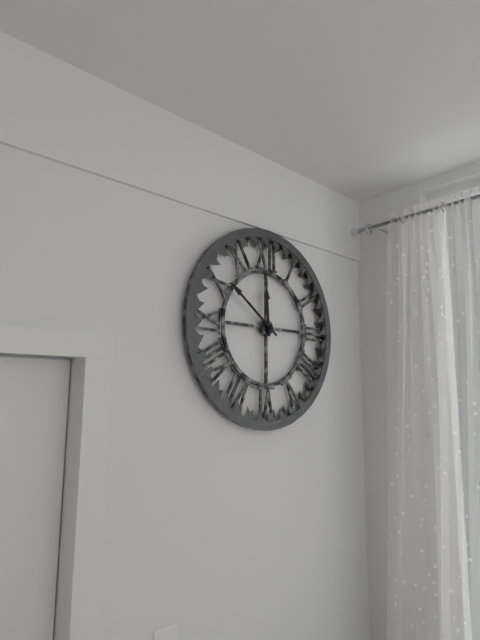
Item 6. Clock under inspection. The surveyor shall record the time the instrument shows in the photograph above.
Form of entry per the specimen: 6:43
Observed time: 11:51
